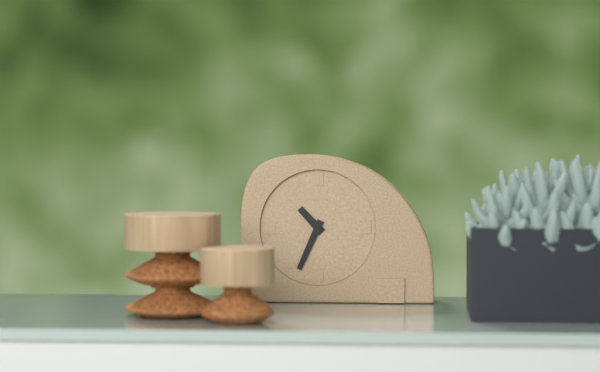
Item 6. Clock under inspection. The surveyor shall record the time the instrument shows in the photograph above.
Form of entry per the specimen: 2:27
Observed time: 10:34
